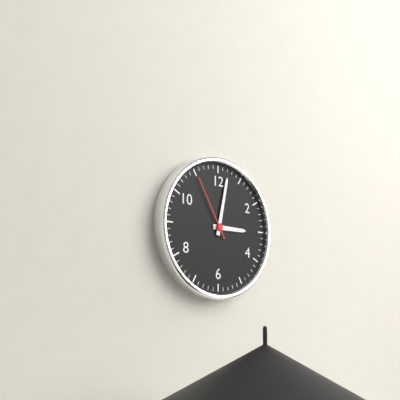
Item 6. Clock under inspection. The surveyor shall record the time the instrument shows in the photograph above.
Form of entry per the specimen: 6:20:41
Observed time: 3:02:55
